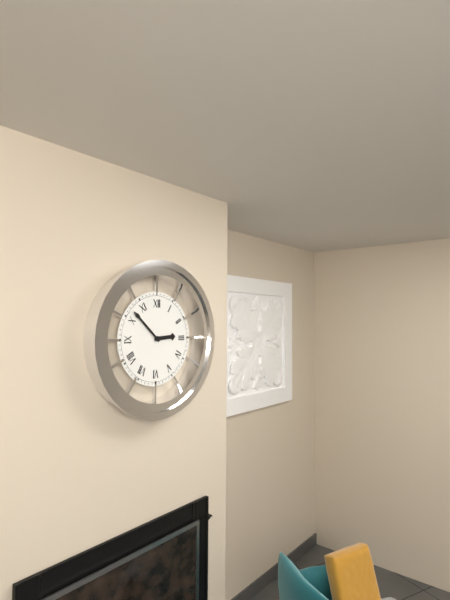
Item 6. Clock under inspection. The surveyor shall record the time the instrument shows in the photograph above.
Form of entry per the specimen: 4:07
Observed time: 2:52
